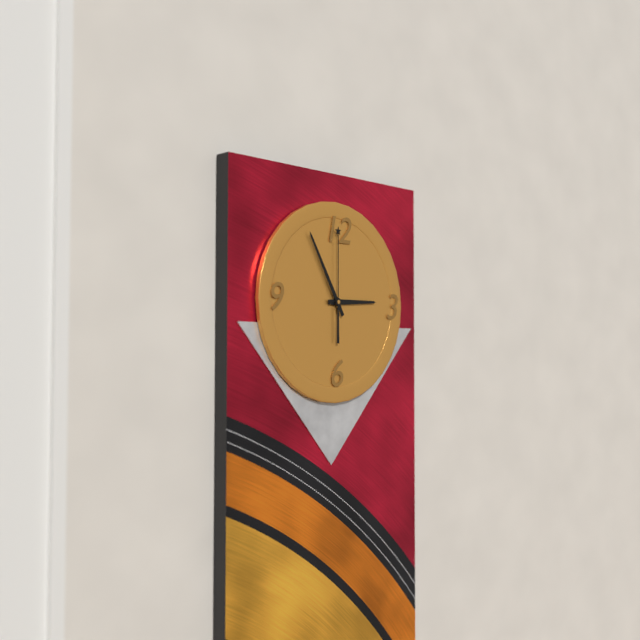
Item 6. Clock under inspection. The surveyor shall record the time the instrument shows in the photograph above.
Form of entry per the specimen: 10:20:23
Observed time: 2:55:00
